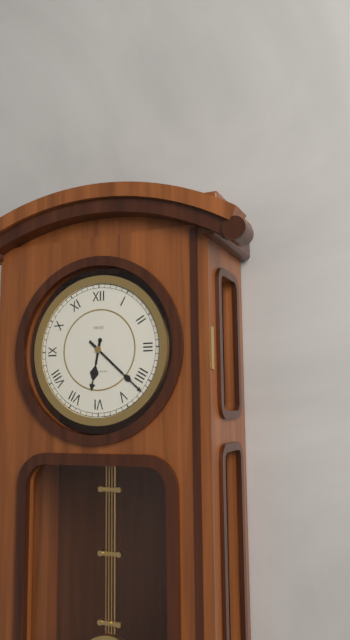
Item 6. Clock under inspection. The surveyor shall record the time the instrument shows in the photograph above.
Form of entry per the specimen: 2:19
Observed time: 6:22
